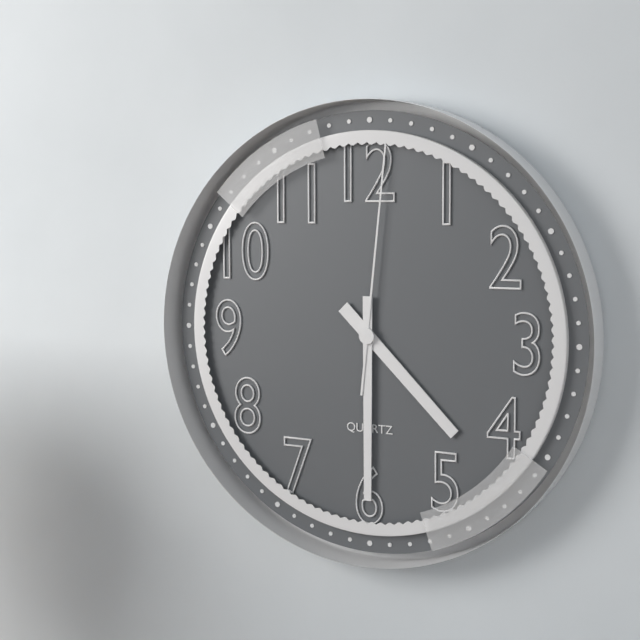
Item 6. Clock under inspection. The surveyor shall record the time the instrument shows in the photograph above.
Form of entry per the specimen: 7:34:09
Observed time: 4:30:01
